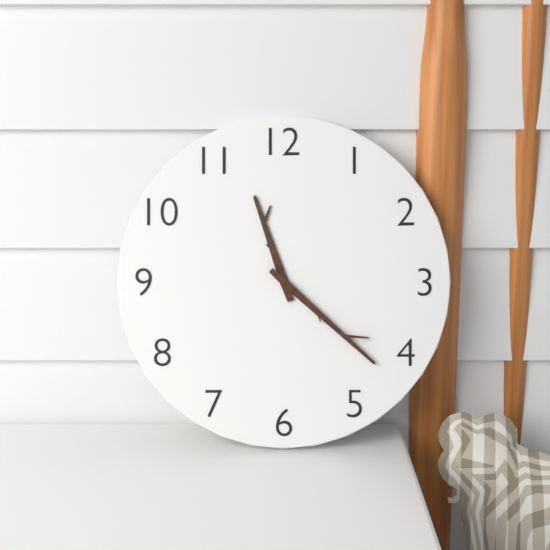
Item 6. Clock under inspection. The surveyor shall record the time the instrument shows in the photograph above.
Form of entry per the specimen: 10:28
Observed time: 11:22
